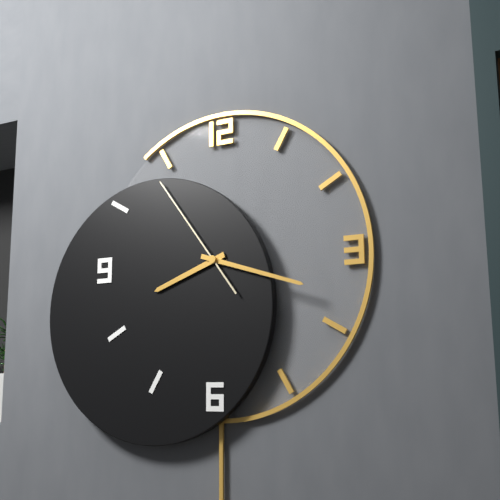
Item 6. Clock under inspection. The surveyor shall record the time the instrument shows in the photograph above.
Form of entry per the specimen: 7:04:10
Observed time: 8:18:54
